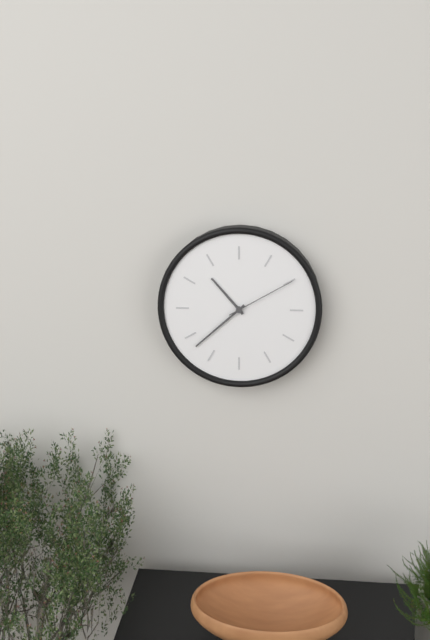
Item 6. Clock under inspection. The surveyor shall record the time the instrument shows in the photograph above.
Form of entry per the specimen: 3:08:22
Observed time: 10:38:10
